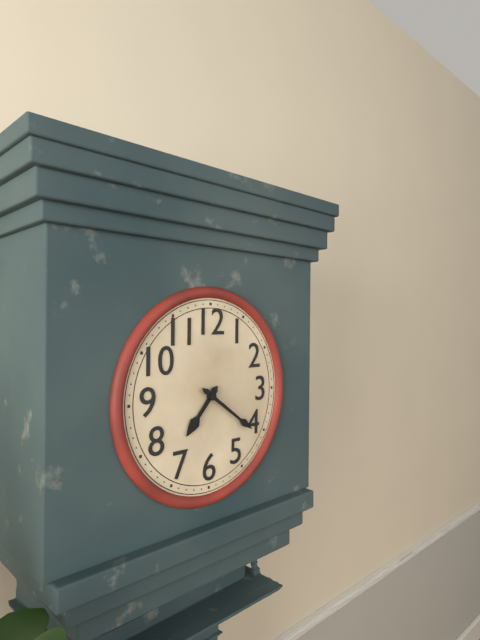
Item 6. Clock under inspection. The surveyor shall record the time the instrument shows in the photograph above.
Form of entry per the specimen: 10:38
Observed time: 7:21
